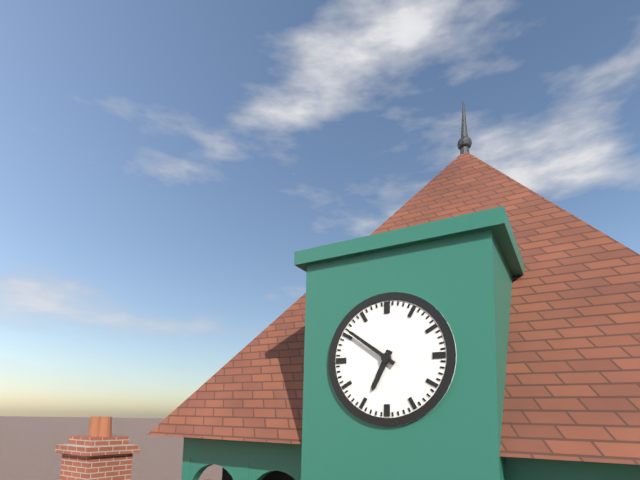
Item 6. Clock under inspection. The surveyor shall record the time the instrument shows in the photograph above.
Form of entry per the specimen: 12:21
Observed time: 6:51
